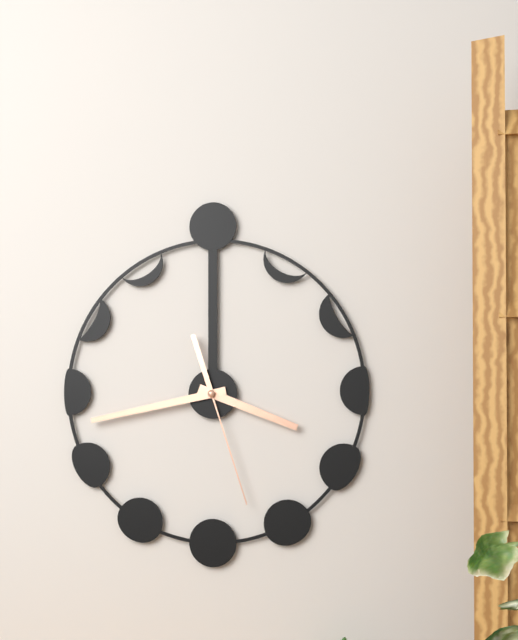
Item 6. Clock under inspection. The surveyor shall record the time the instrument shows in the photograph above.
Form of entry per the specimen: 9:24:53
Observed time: 3:43:27
